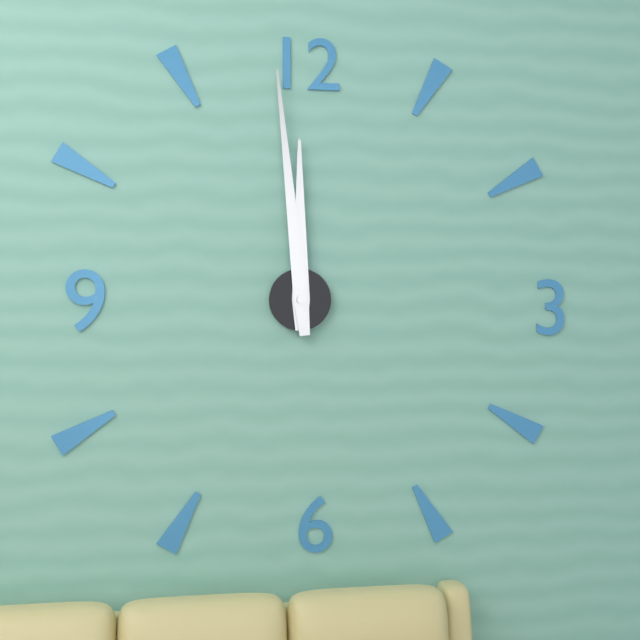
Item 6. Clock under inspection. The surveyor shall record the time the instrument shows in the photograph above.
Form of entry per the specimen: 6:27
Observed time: 11:59
